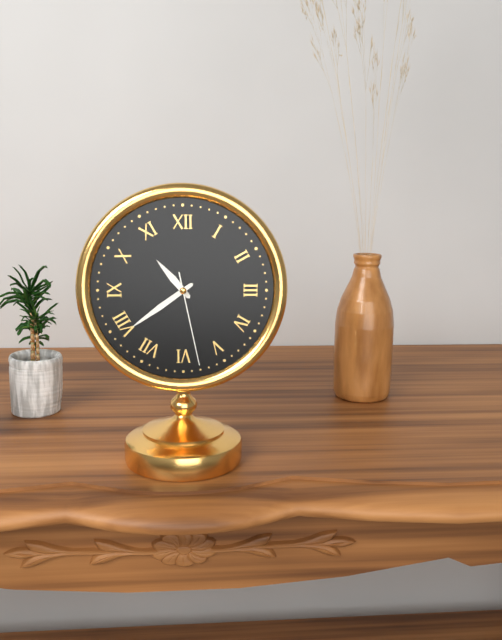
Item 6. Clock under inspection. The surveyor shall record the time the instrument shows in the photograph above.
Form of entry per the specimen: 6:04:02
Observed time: 10:39:28
